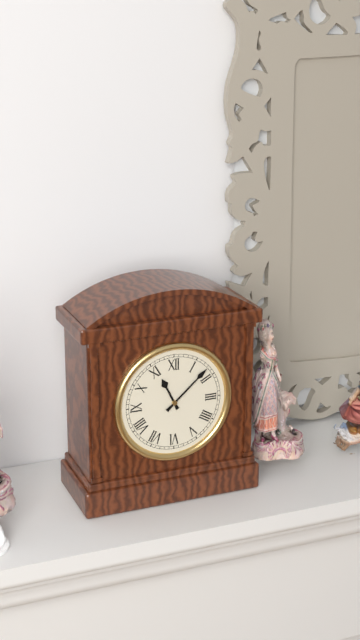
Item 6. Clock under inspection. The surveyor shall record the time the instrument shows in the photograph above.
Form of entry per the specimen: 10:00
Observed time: 11:08
